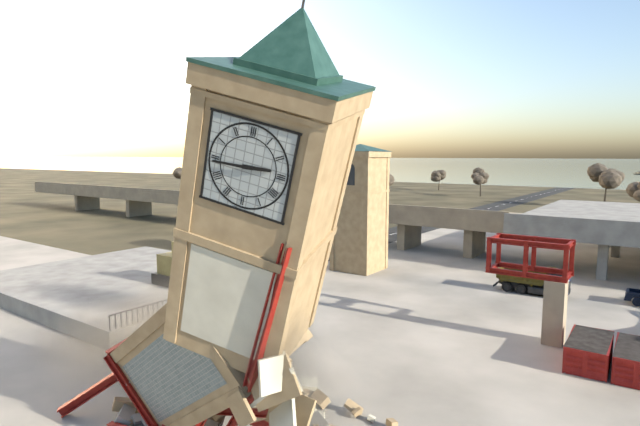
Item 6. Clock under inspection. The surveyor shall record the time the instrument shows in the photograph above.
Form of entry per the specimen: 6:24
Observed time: 2:44
